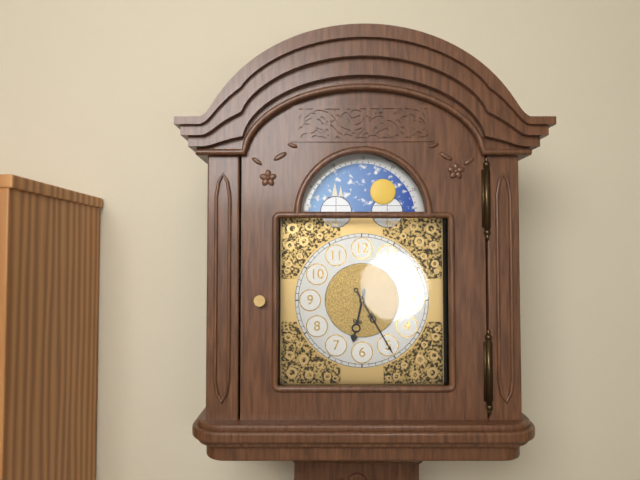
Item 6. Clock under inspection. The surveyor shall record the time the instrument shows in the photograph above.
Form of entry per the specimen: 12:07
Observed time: 6:25
